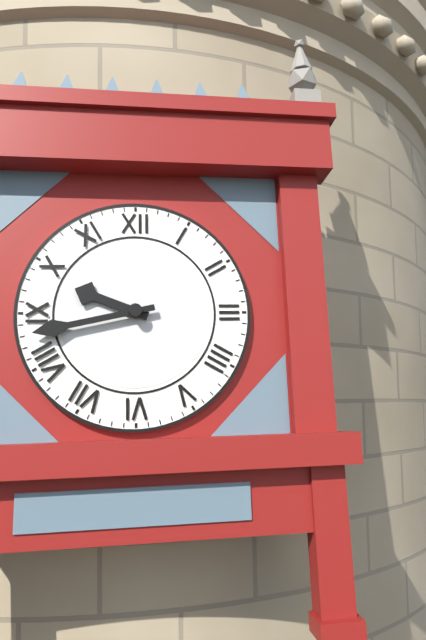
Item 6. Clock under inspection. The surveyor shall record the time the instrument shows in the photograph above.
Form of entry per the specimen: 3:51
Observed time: 9:43
